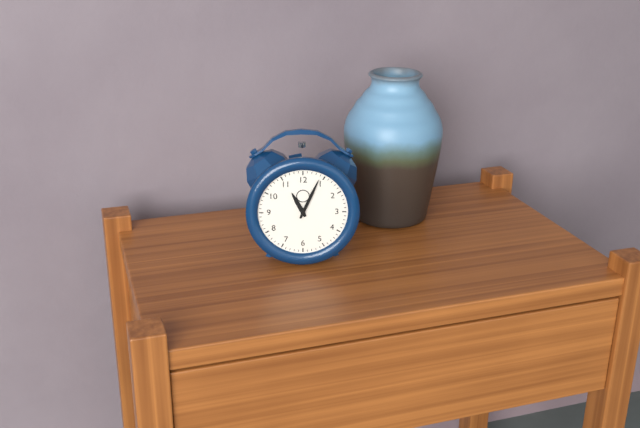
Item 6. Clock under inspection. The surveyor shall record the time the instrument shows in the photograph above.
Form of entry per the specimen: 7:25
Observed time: 11:04
